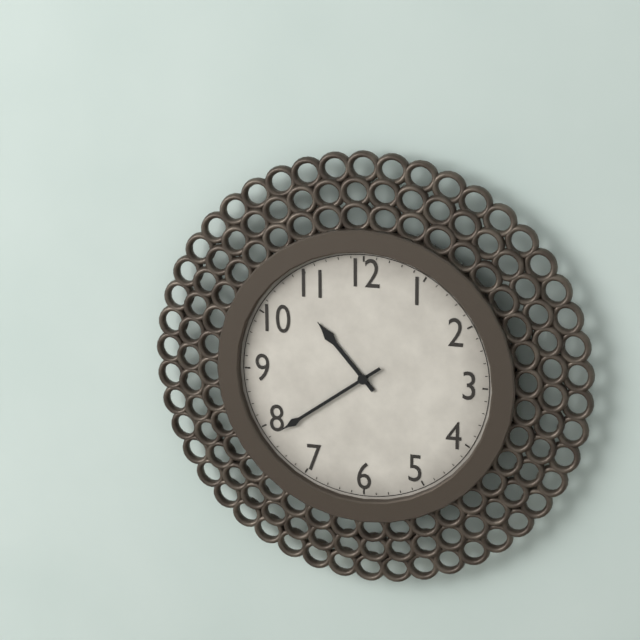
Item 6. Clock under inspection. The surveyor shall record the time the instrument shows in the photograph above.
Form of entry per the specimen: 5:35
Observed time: 10:39
